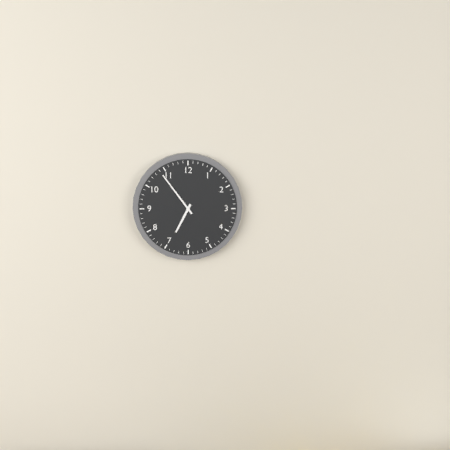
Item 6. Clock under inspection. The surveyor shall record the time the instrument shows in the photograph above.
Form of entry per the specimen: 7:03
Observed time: 6:54
